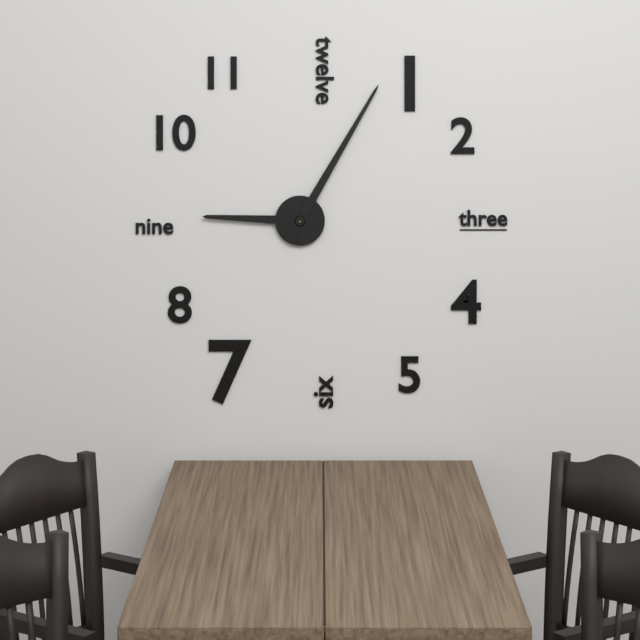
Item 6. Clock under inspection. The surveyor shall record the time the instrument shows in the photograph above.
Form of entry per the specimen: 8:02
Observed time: 9:05
